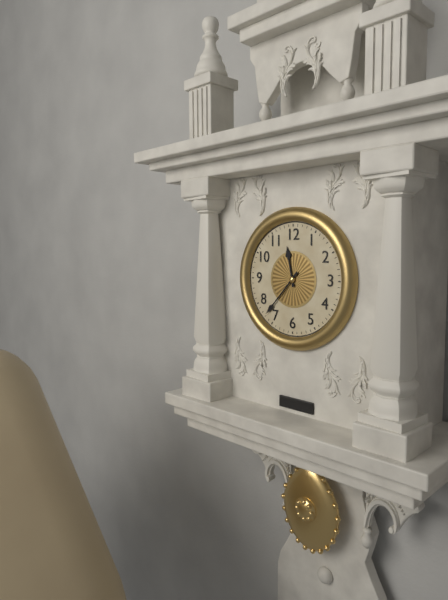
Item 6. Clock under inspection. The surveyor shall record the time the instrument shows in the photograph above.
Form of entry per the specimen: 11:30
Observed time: 11:37
